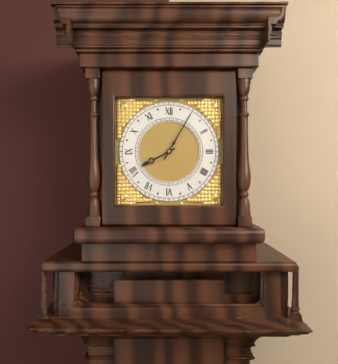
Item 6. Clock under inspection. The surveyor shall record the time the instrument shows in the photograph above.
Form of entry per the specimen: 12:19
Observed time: 8:05
